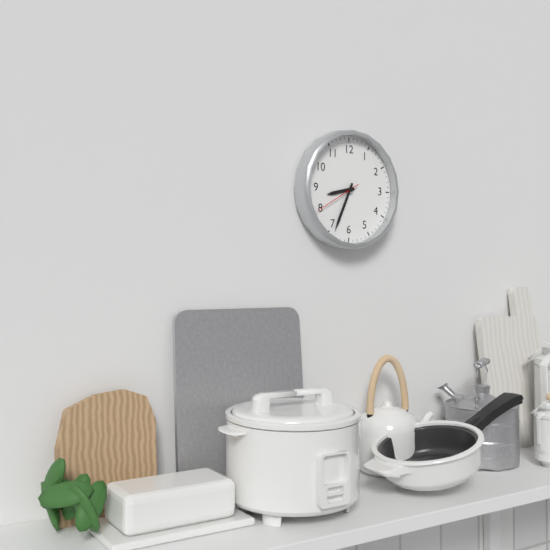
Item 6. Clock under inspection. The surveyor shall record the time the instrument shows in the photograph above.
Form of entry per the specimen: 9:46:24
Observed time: 8:34:40
